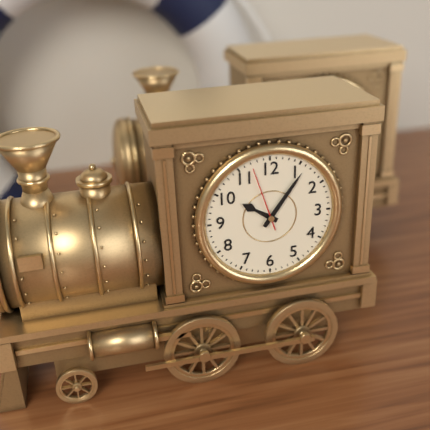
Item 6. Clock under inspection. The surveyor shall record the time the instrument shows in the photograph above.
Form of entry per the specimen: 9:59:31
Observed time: 10:06:57
